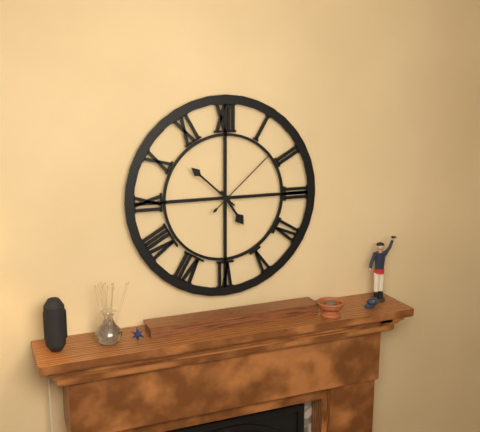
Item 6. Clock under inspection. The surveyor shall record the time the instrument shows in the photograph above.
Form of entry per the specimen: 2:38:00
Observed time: 4:52:08
